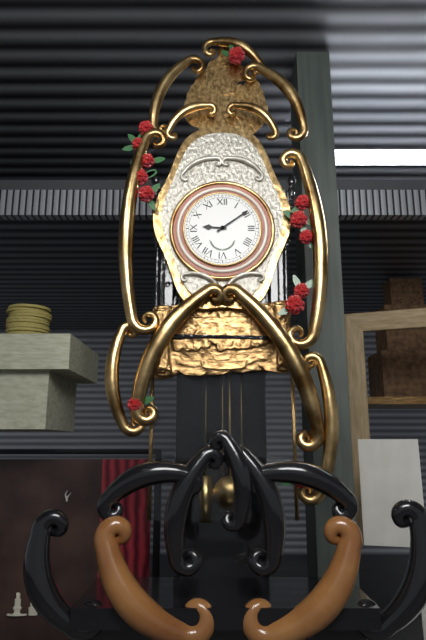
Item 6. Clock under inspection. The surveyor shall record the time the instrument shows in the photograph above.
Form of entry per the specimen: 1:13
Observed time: 9:09
